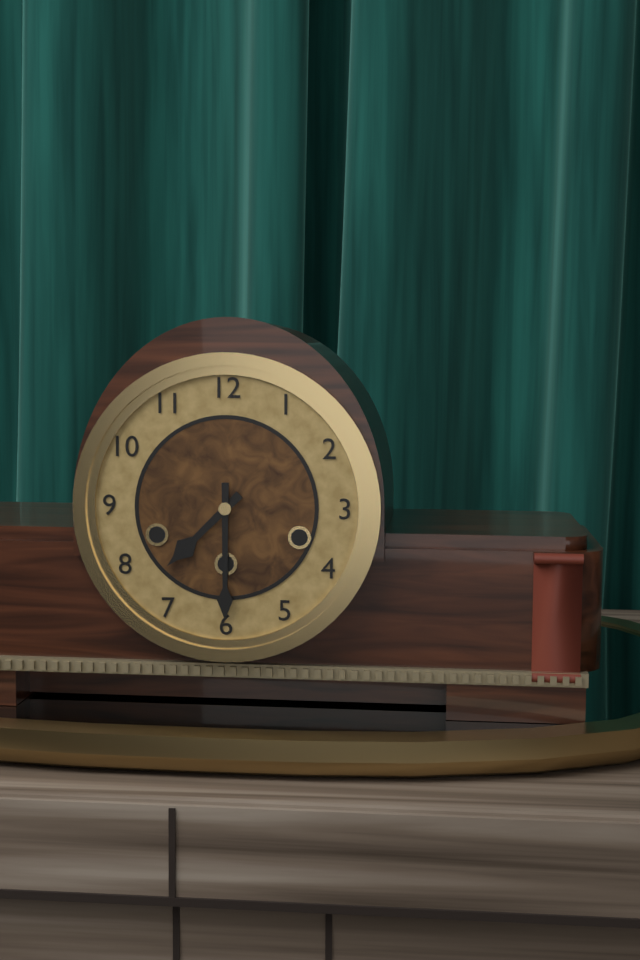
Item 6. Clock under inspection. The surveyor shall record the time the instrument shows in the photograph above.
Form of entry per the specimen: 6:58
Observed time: 7:30
